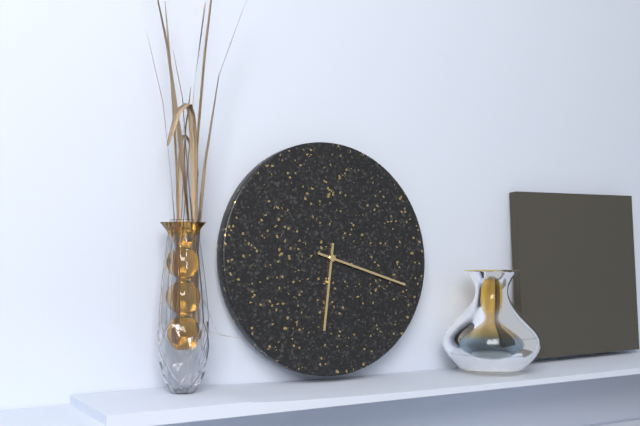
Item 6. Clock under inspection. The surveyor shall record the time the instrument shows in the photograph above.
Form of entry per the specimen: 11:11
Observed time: 6:18
